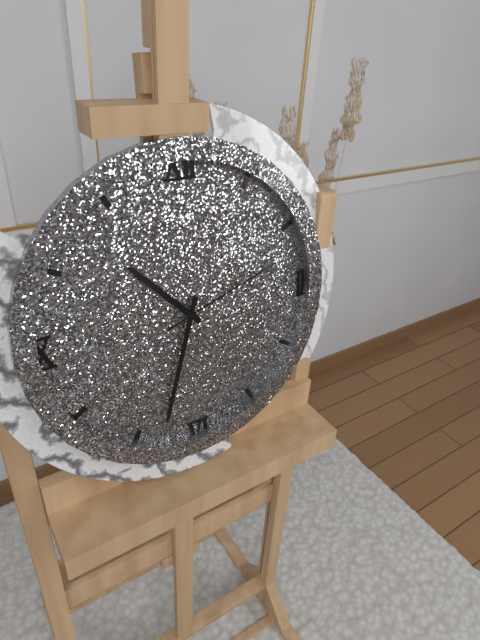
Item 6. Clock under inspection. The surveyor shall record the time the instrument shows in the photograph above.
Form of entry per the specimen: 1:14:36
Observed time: 10:33:12
